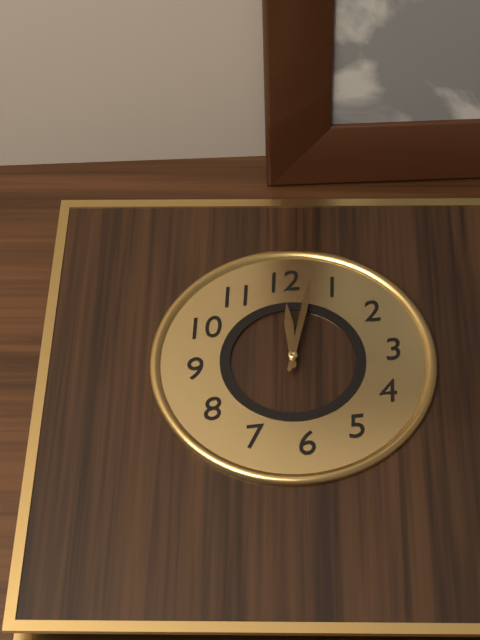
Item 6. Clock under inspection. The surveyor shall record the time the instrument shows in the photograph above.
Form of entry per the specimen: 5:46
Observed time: 12:03
